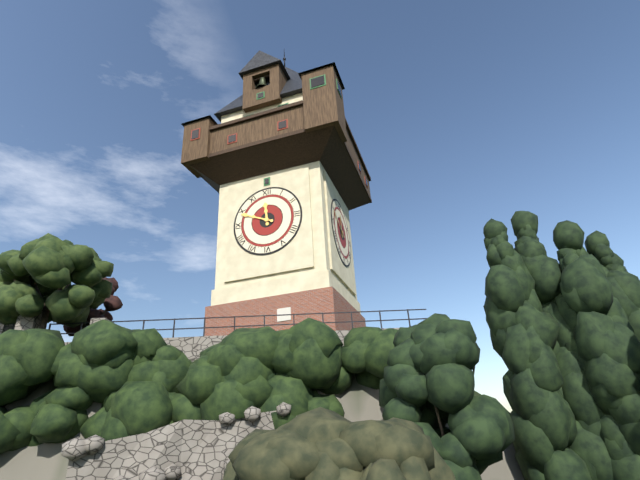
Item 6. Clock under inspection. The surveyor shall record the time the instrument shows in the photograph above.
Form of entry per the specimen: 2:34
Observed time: 11:49
